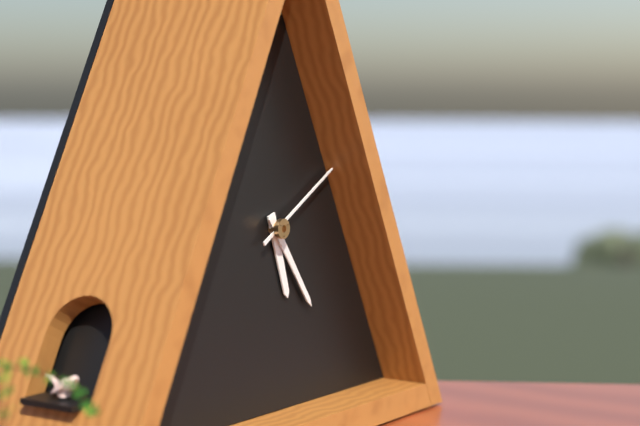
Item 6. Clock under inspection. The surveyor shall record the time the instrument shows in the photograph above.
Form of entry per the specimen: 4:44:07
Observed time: 5:24:10
